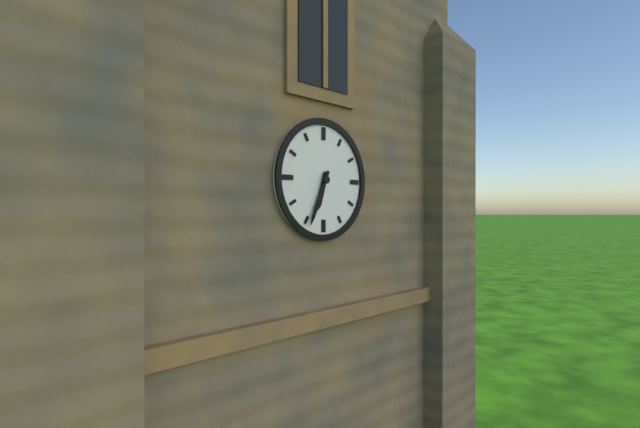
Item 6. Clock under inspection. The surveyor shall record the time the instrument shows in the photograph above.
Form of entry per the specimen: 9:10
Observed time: 6:34
